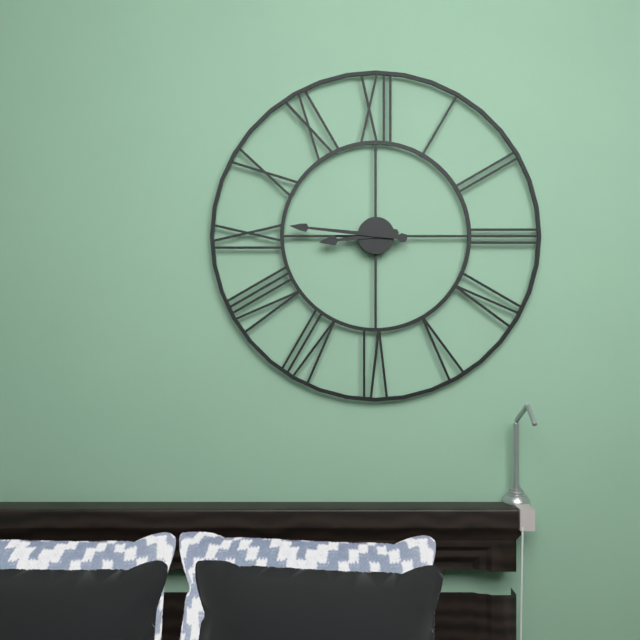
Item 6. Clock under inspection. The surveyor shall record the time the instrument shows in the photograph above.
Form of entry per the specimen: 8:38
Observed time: 8:46
